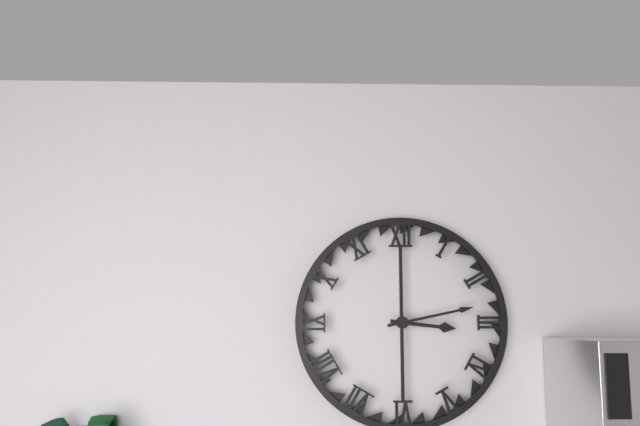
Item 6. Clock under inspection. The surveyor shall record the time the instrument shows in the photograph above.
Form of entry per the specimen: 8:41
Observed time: 3:13
